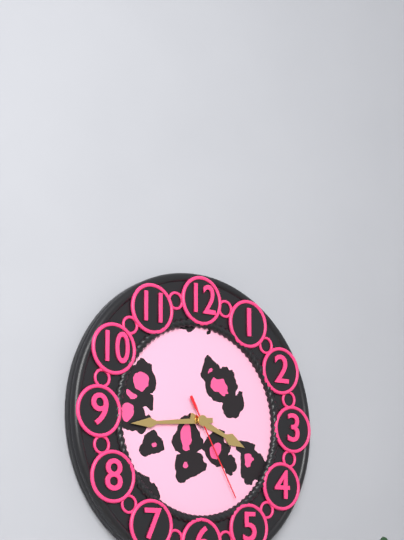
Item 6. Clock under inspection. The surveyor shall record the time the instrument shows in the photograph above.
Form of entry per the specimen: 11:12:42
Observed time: 3:44:25
